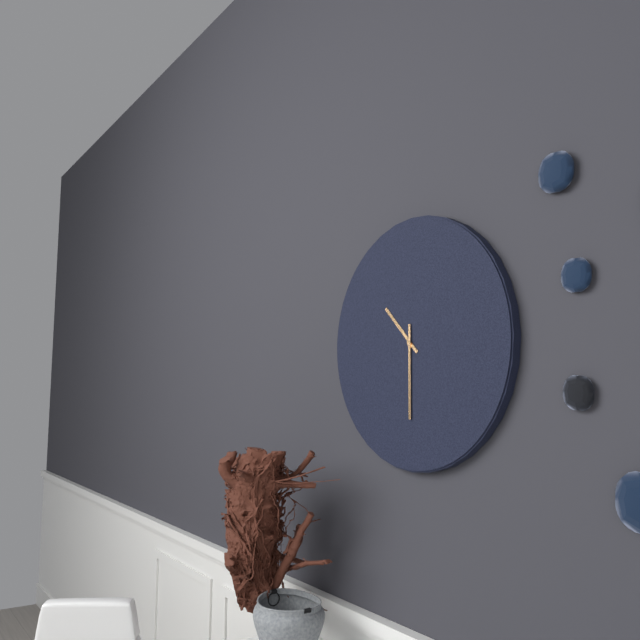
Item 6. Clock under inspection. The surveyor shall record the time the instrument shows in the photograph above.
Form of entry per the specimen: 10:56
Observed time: 10:30
